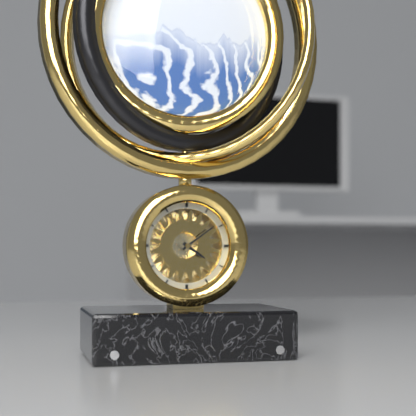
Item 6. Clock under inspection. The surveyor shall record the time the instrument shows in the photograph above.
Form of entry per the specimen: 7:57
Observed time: 4:09
